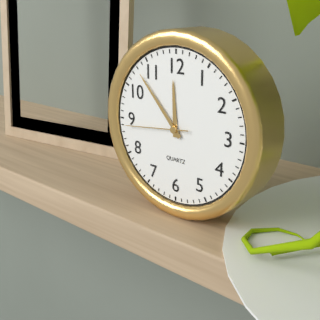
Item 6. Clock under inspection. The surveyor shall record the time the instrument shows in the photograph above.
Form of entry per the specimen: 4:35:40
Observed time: 11:53:44
